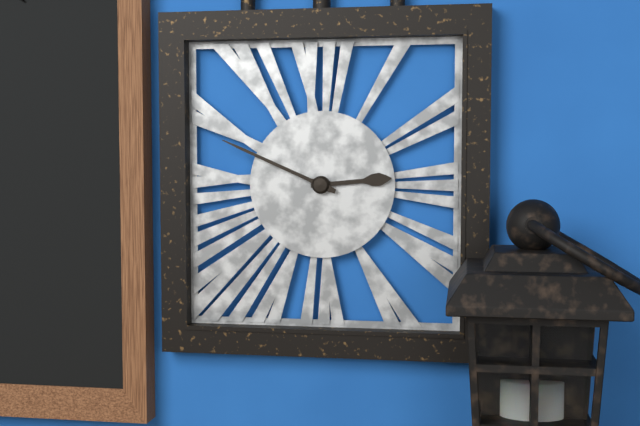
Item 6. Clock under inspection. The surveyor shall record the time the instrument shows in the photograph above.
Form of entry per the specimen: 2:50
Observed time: 2:49
